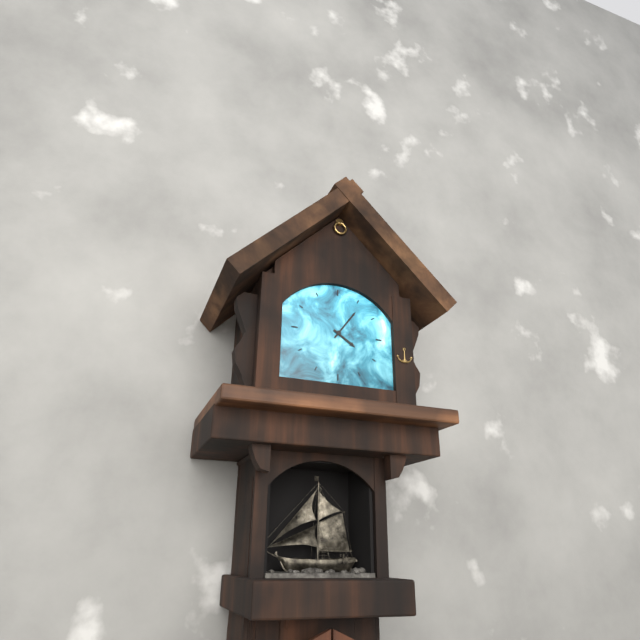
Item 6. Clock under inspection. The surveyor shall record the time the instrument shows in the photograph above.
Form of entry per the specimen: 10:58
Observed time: 4:06
